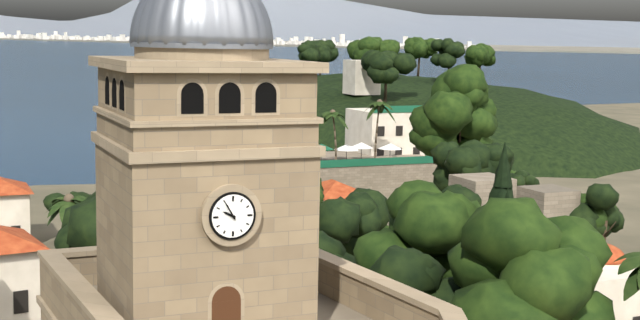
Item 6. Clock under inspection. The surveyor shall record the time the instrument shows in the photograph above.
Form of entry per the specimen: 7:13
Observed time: 9:55
